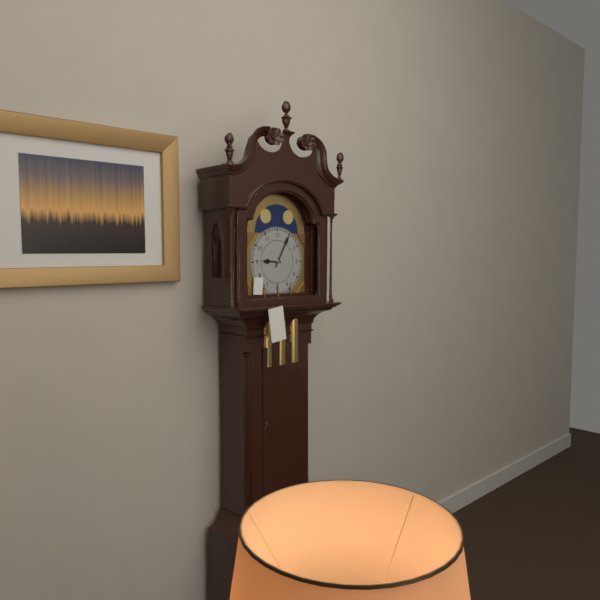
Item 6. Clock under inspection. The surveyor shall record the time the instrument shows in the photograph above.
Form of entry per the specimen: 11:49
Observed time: 9:05
